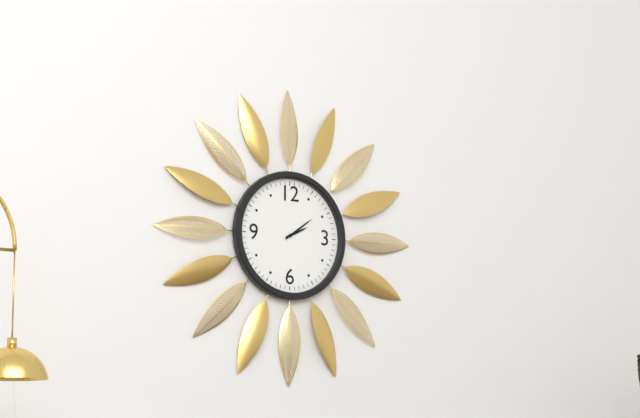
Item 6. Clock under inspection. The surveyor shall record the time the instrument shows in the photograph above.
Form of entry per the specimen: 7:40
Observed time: 2:09
